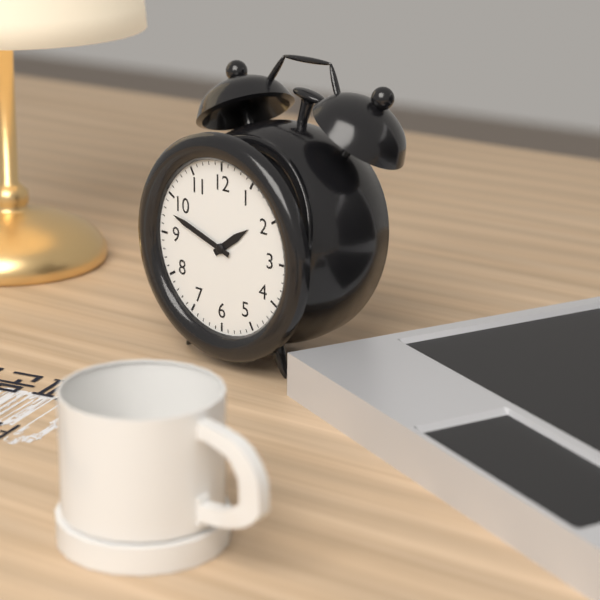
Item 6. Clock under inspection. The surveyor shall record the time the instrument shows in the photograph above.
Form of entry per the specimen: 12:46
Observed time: 1:48
